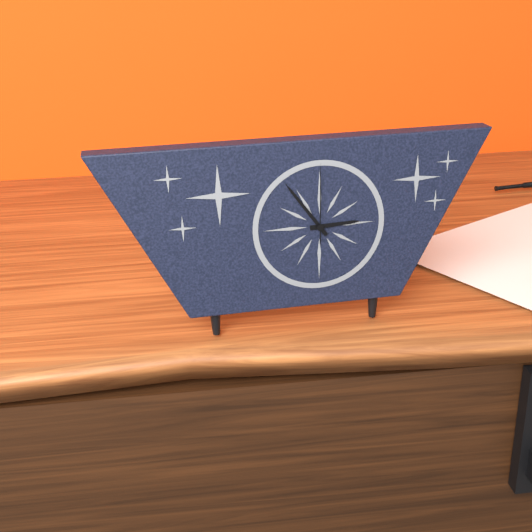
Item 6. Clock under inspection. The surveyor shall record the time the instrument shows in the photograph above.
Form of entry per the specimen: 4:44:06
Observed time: 2:54:00
